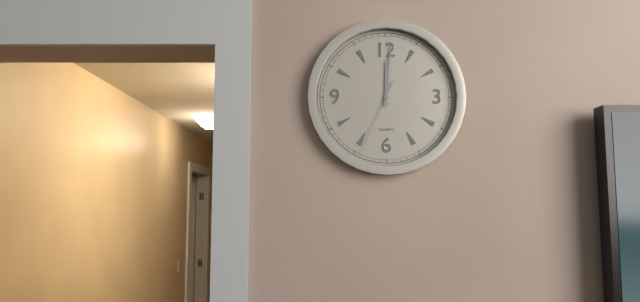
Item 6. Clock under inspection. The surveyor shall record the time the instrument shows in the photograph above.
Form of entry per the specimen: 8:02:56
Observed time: 12:01:34
